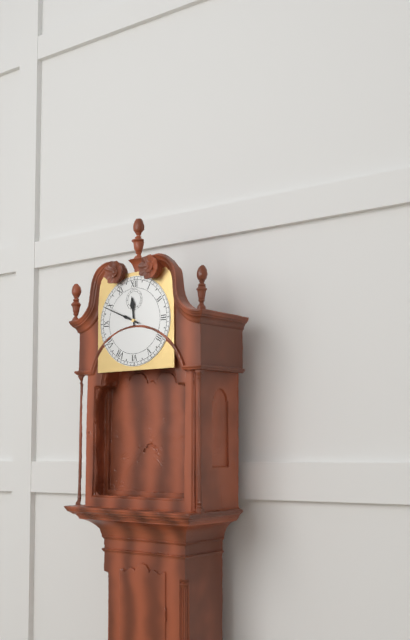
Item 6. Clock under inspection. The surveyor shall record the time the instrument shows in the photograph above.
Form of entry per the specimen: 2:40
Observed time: 11:49
